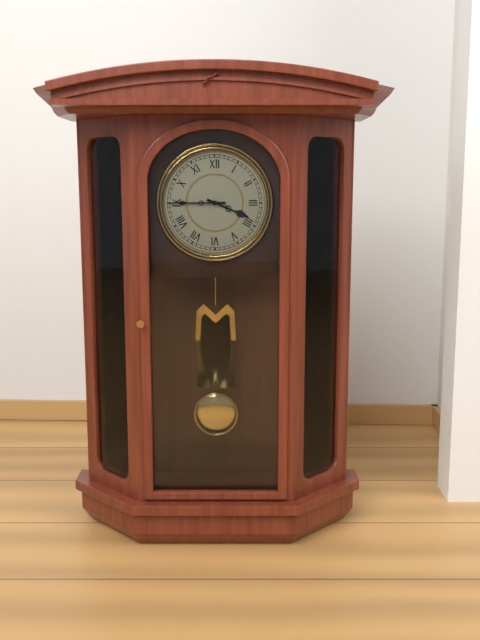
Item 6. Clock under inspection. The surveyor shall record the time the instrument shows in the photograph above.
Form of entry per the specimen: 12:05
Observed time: 3:45
